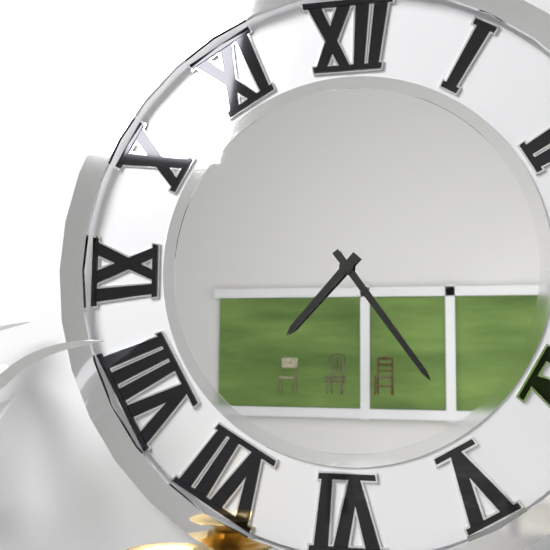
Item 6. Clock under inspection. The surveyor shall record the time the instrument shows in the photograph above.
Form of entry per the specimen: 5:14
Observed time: 7:24
